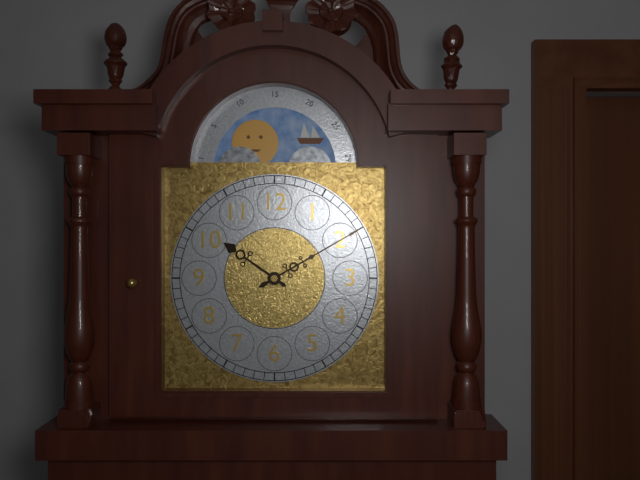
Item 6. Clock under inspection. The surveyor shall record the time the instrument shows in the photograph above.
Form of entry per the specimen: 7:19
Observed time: 10:10
